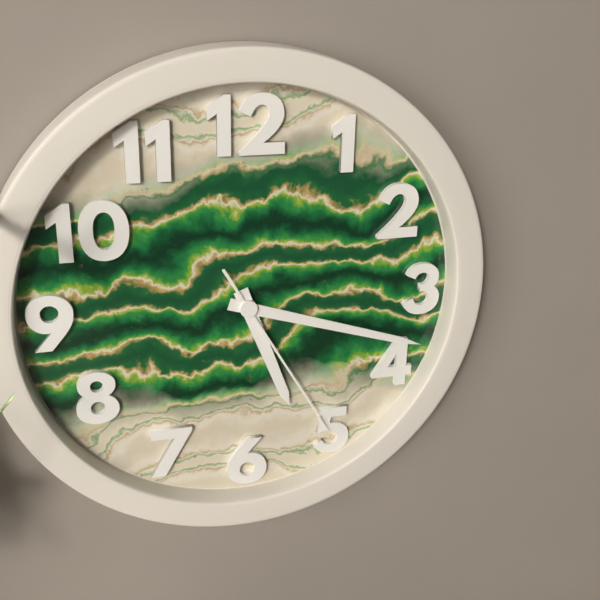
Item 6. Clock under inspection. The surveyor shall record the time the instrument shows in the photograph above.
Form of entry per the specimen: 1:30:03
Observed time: 5:18:25
